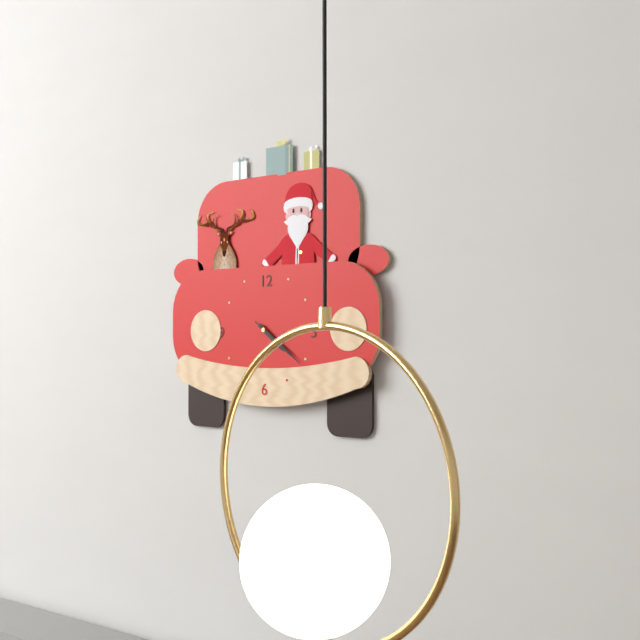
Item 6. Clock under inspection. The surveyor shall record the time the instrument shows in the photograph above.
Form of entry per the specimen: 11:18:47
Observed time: 4:21:21
